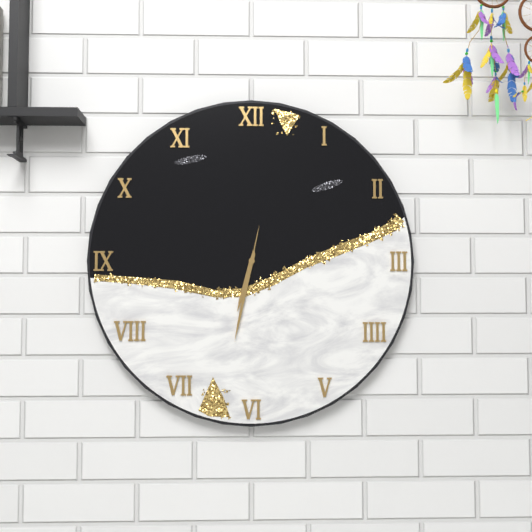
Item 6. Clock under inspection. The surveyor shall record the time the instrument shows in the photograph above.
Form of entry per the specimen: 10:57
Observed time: 6:32
